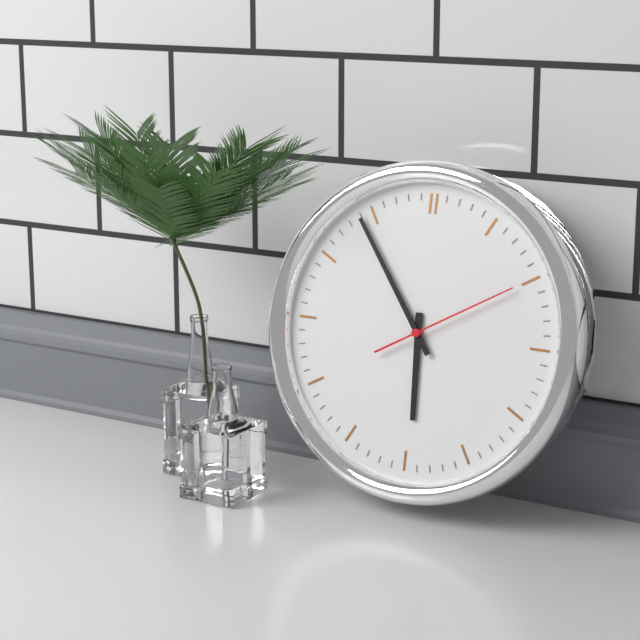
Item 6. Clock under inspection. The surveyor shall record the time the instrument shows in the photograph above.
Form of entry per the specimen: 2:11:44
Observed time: 5:54:10
